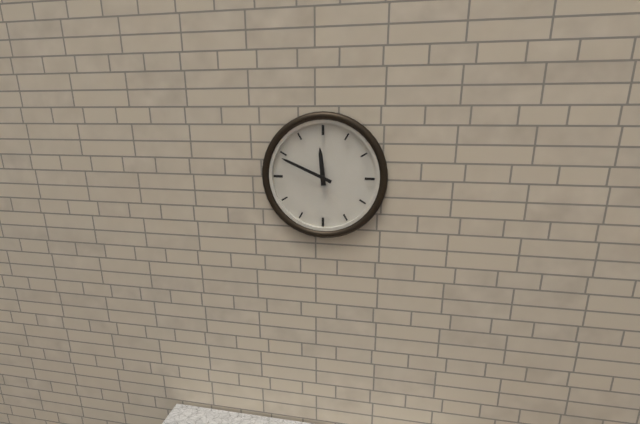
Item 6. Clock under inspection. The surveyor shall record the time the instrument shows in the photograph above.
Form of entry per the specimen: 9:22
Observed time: 11:49
